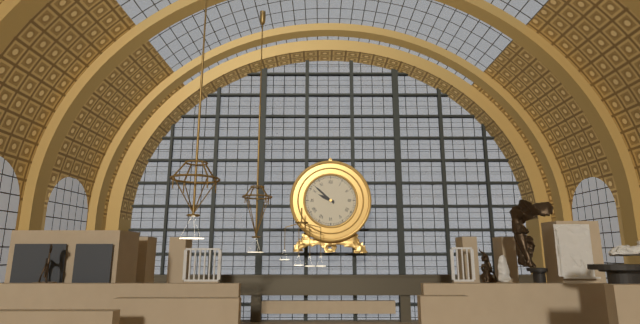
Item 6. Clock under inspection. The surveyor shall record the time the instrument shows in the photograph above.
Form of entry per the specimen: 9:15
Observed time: 9:52
